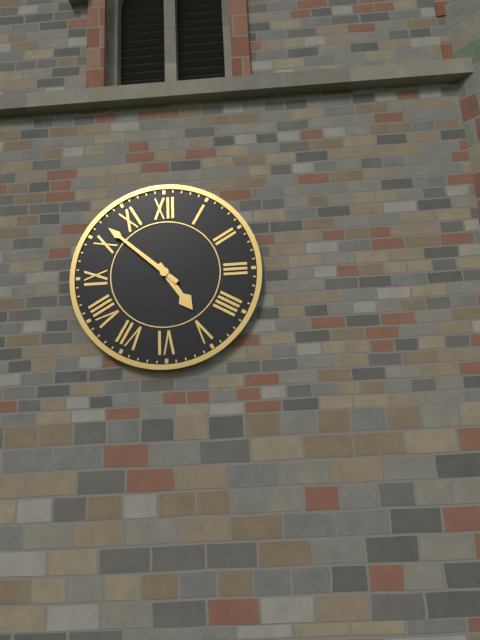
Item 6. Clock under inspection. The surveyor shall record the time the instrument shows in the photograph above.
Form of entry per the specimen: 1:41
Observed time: 4:52
